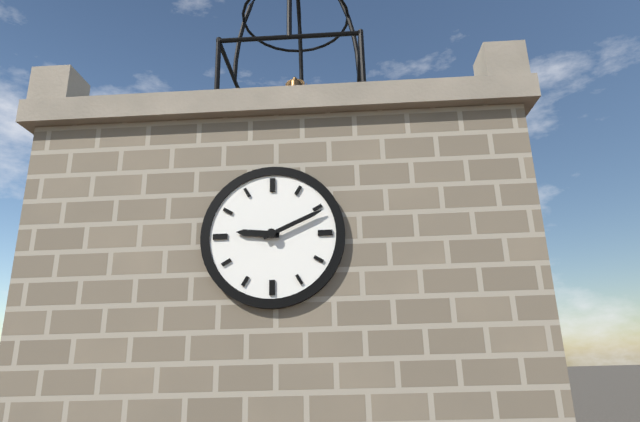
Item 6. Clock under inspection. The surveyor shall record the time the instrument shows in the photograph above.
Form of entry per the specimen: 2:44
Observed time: 9:11
